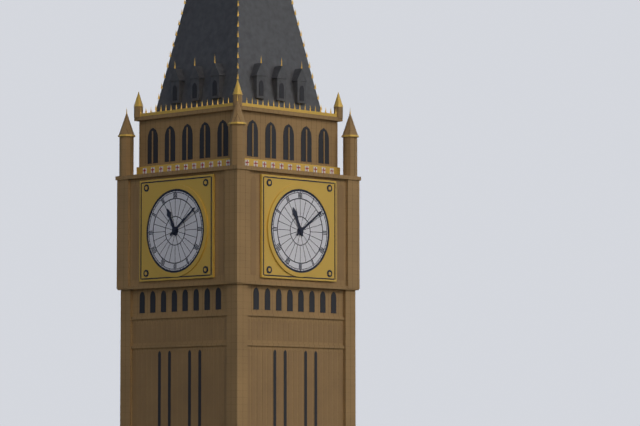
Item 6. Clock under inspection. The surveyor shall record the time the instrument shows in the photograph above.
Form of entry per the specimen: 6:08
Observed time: 11:09
